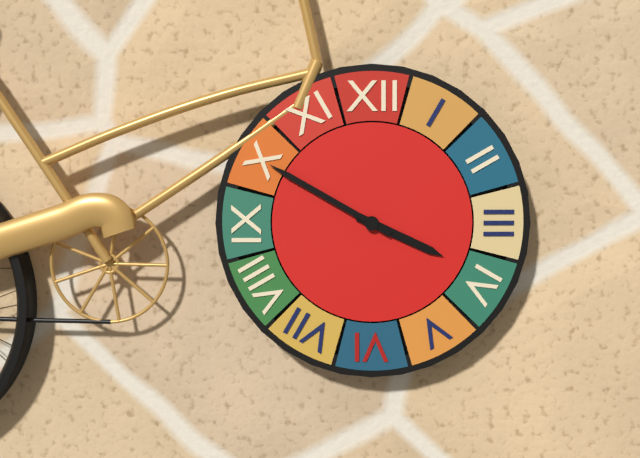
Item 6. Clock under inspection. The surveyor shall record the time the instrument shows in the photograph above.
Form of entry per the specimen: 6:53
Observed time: 3:50
